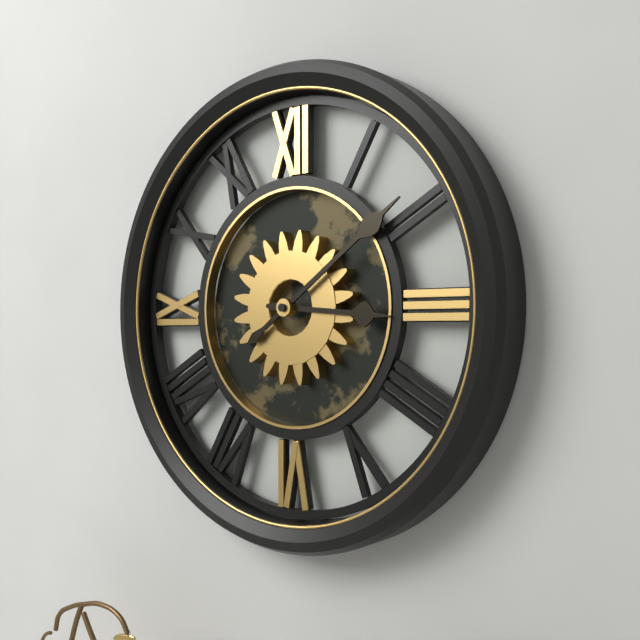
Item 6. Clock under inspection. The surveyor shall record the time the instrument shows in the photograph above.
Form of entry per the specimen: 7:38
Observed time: 3:09
